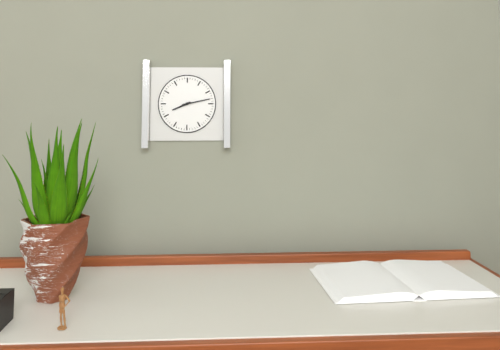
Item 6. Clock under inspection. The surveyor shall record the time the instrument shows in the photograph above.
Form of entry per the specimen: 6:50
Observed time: 8:13
